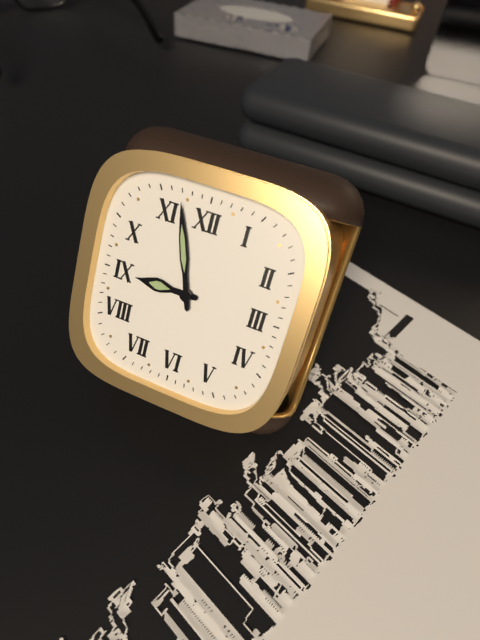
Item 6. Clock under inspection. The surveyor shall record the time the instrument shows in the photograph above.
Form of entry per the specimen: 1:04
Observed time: 8:57
